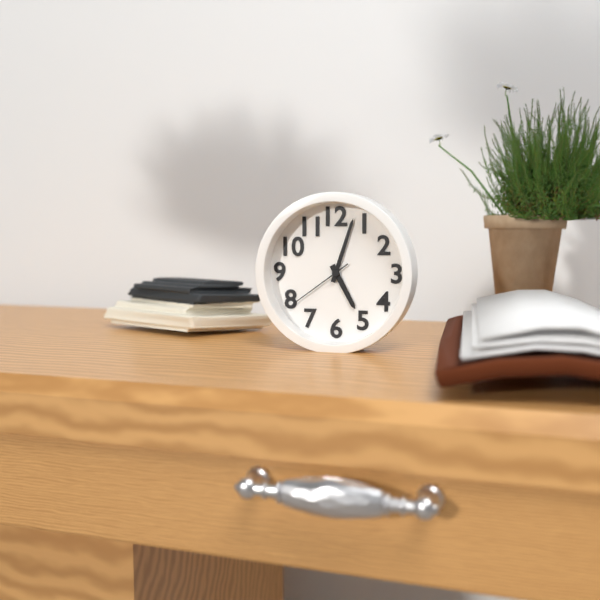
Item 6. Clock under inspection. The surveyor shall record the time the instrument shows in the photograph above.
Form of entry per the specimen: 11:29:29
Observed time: 5:03:39
